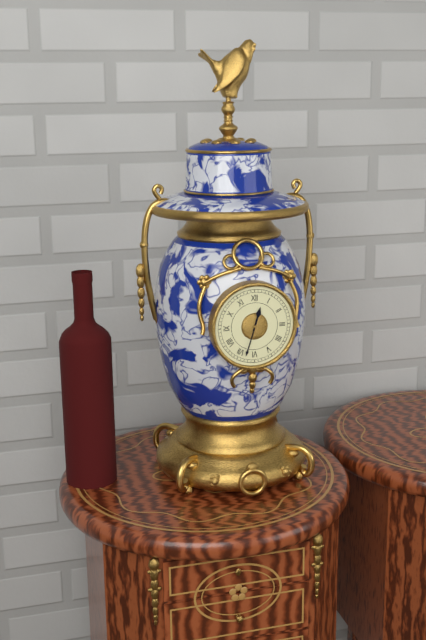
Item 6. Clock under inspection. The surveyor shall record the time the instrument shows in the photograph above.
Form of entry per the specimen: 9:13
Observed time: 12:33
